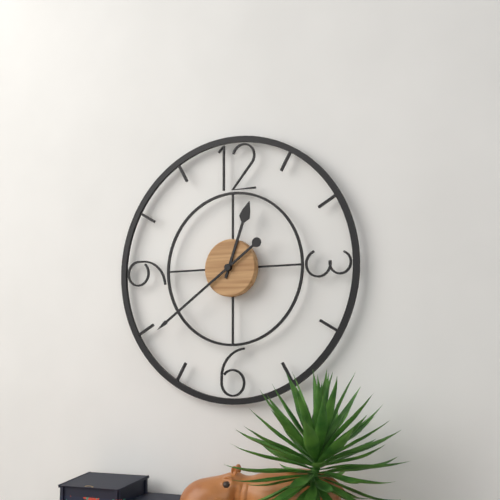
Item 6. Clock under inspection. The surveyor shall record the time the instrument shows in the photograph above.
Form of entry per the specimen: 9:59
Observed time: 12:39
